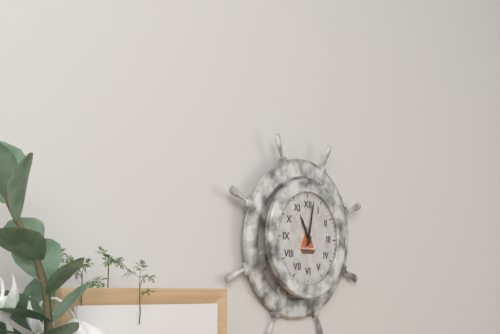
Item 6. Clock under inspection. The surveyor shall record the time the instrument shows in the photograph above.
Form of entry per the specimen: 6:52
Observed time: 11:02
